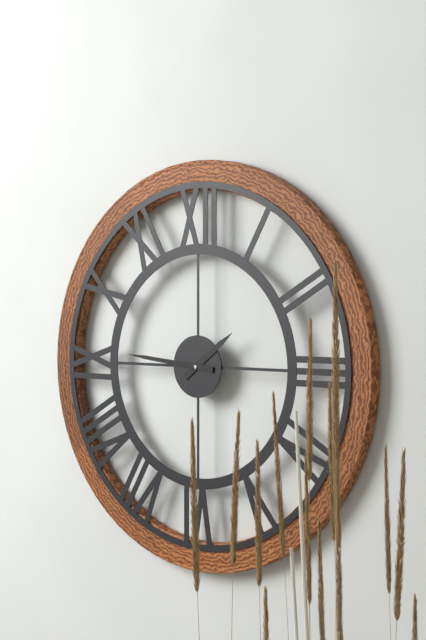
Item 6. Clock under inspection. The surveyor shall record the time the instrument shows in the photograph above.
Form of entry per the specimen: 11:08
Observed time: 1:46
